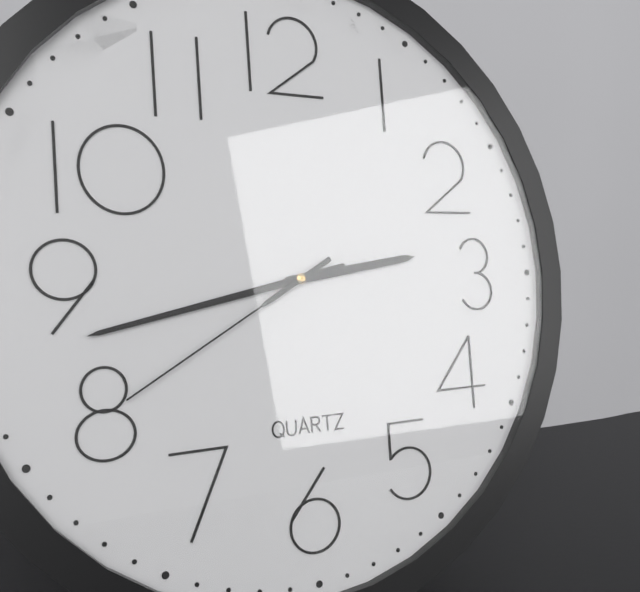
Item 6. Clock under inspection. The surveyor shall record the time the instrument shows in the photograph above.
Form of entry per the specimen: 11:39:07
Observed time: 2:43:40
